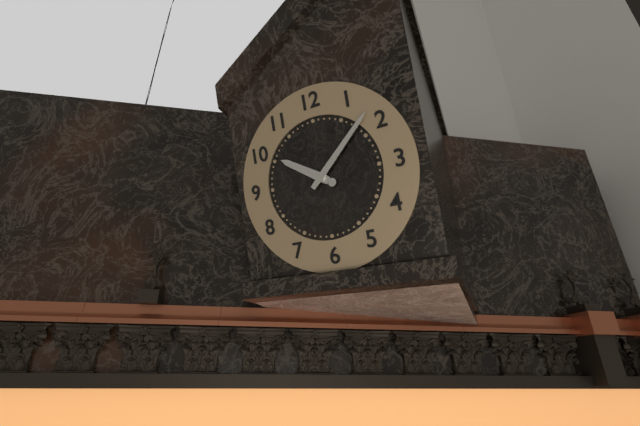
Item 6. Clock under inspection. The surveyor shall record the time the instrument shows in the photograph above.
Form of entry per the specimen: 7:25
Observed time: 10:08
